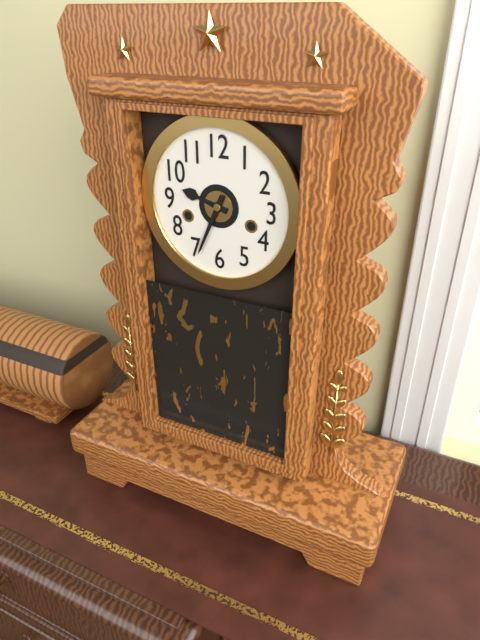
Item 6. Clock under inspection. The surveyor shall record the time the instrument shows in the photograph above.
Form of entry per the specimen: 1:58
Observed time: 9:34
